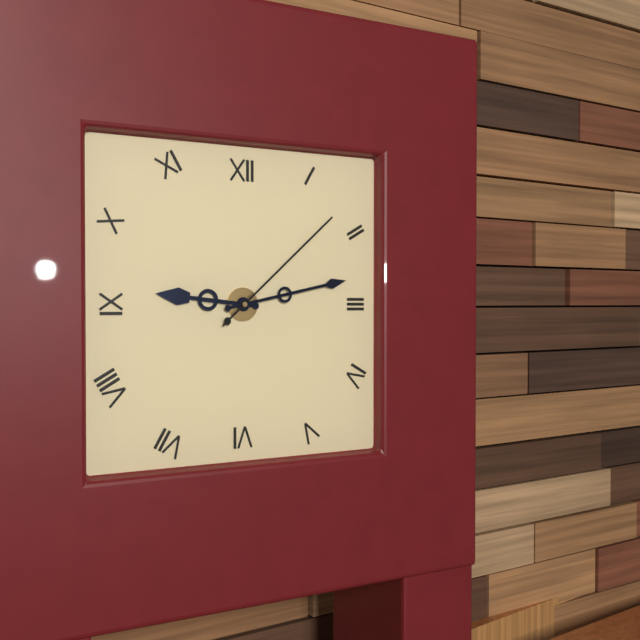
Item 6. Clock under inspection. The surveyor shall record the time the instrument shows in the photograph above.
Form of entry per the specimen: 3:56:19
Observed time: 9:13:08
